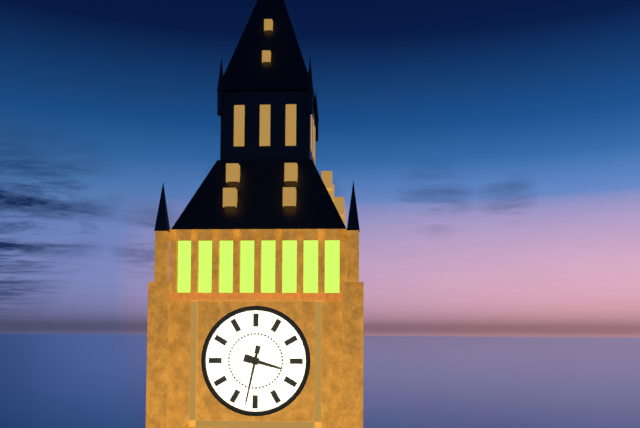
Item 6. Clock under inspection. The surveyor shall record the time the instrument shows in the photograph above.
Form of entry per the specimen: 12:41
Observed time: 3:32
